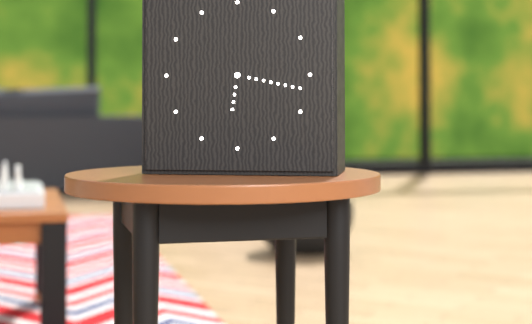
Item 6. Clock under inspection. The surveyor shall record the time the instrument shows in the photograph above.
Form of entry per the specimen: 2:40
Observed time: 6:17
